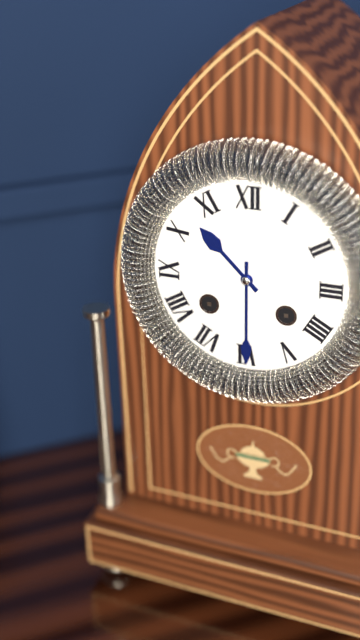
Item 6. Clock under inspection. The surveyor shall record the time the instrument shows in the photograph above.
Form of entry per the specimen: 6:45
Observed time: 10:30
